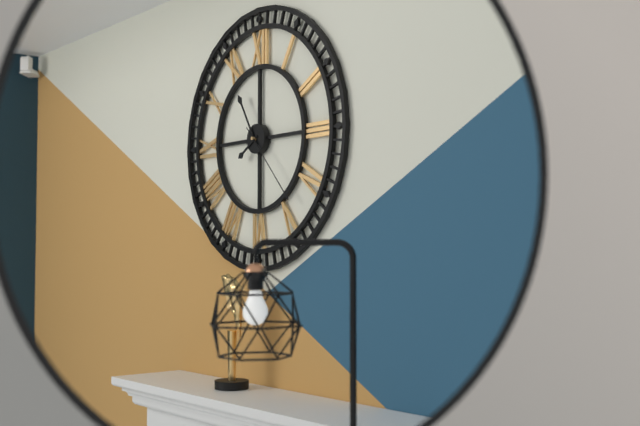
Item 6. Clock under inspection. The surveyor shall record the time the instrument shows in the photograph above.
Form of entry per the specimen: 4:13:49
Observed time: 7:55:23
